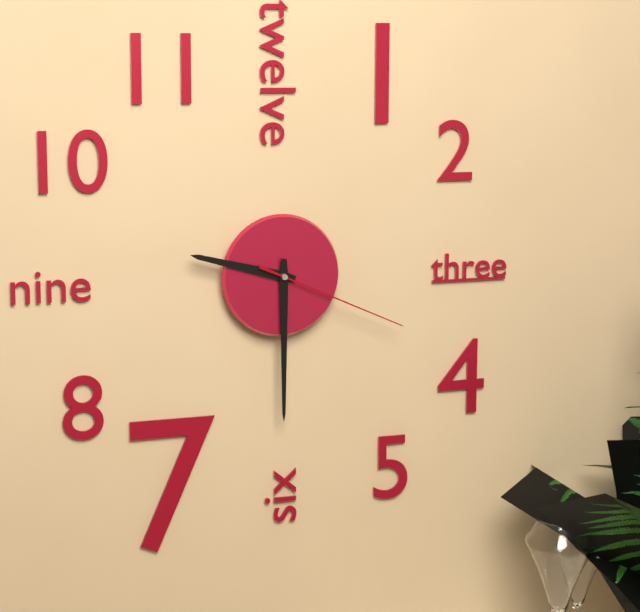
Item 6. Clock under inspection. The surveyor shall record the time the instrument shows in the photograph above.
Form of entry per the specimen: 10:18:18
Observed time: 9:30:19
